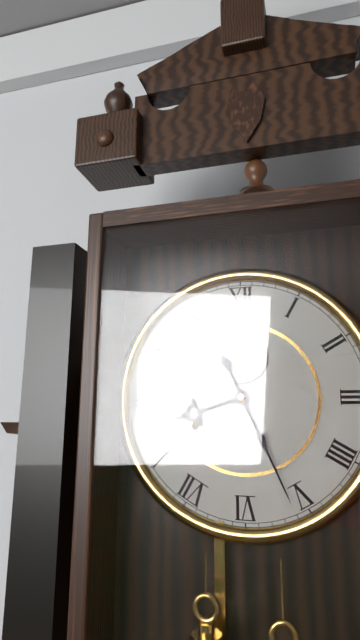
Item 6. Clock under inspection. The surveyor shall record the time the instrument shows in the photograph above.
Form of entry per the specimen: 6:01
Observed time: 8:26
